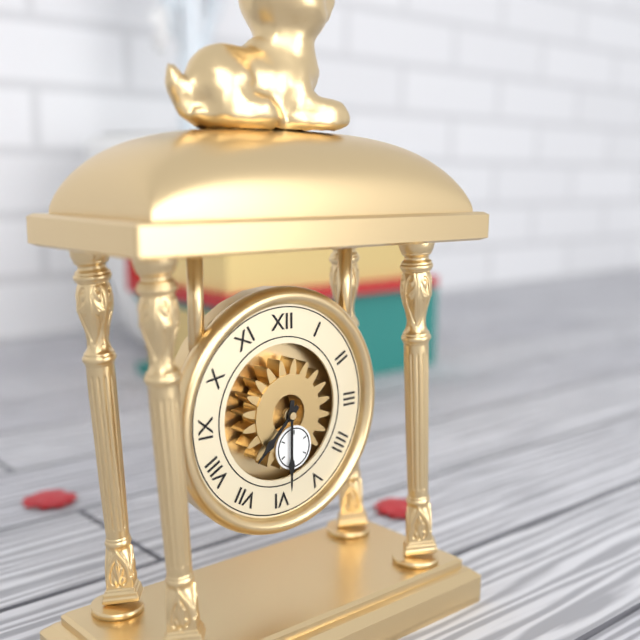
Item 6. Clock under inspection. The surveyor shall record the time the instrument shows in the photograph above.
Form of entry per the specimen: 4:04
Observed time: 7:30
